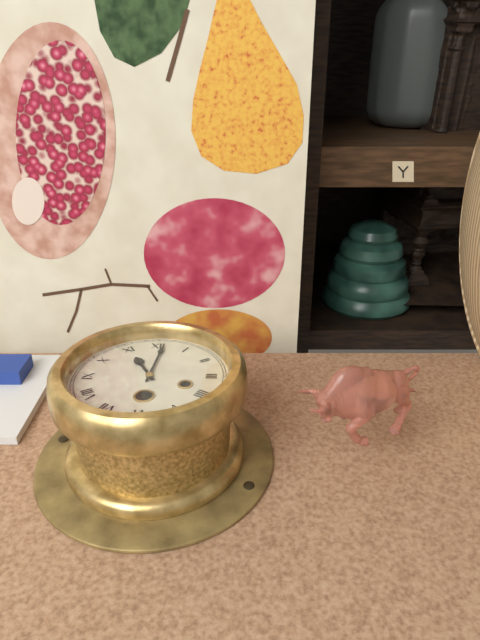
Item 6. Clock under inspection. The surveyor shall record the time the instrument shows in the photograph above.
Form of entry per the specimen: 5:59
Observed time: 11:01
